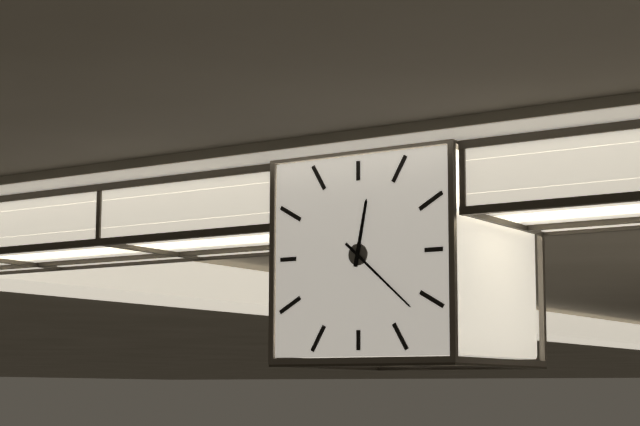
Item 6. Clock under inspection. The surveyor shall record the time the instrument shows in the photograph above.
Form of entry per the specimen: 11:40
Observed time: 12:22
